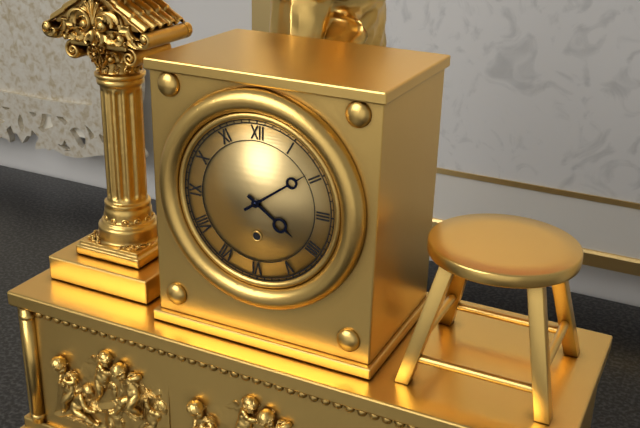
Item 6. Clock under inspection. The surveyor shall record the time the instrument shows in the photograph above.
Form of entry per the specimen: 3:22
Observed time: 4:09
